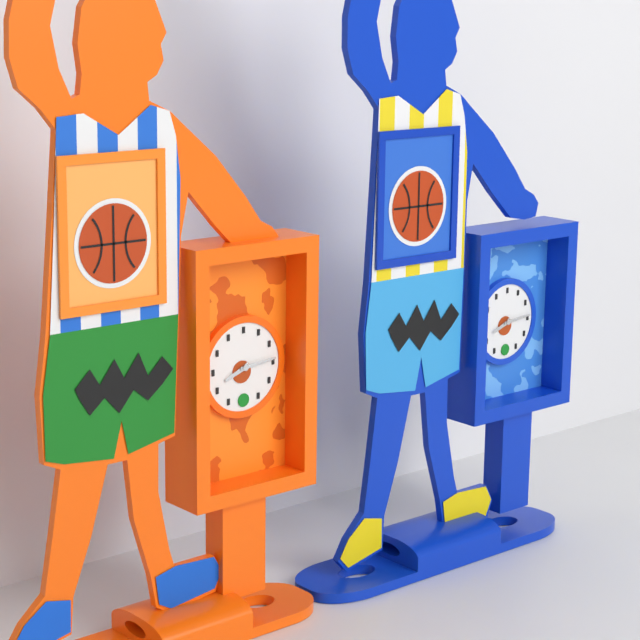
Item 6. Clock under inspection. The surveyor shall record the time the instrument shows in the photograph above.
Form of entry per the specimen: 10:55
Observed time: 8:14
